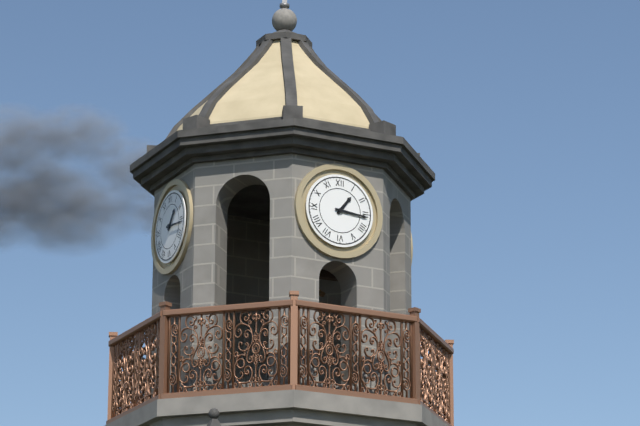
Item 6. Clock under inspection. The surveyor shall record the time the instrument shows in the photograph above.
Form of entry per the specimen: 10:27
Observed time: 1:16
